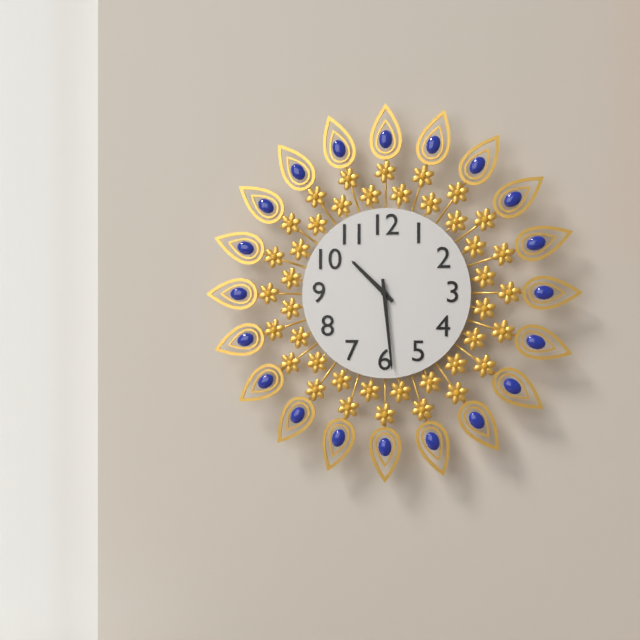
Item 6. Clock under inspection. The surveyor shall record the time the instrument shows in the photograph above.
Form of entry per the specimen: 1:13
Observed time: 10:29
